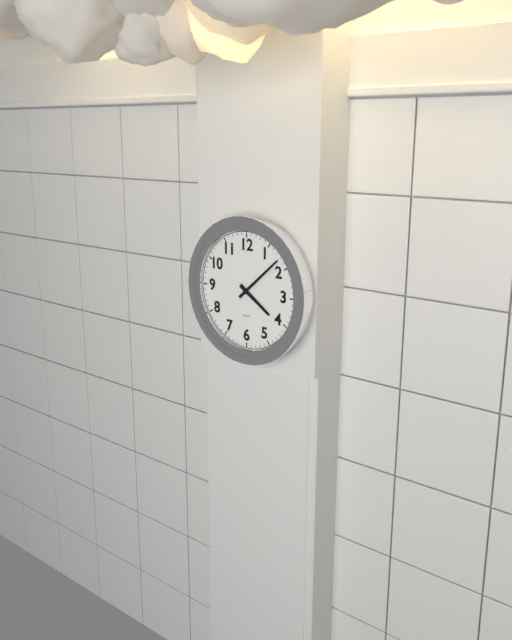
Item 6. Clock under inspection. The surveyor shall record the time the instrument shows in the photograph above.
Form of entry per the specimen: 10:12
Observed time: 4:08
